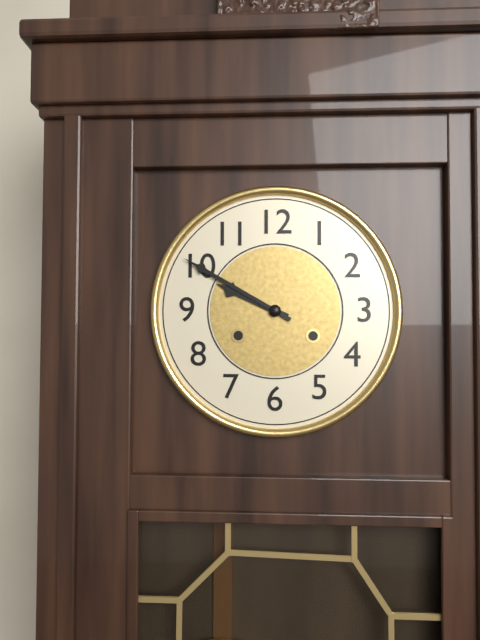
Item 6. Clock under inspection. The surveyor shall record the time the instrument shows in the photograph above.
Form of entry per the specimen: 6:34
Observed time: 9:50
